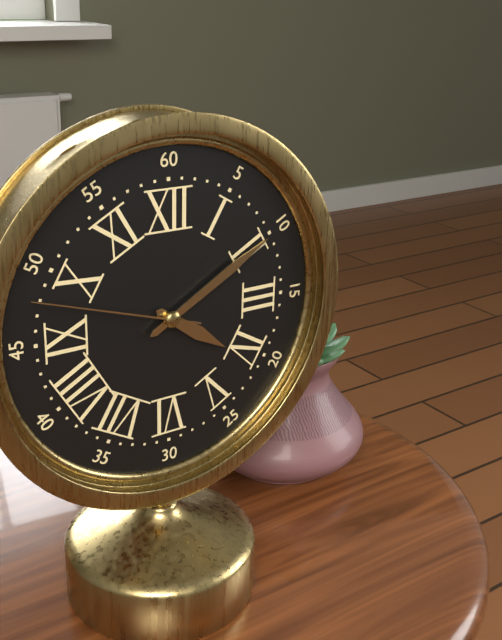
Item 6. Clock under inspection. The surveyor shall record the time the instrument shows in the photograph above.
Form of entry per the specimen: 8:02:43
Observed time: 4:10:48
